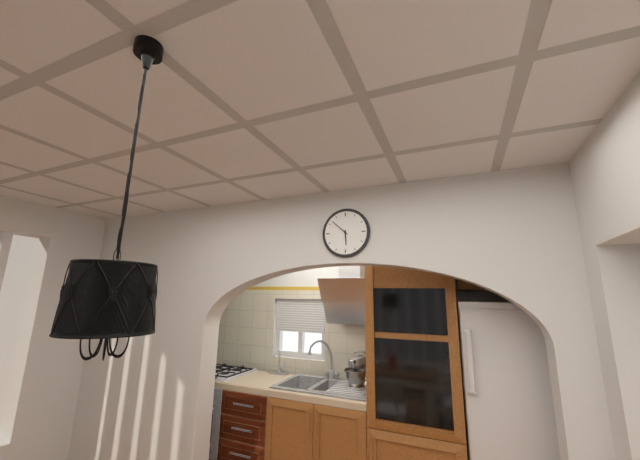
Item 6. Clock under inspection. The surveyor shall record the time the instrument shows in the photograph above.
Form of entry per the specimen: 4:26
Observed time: 5:52
